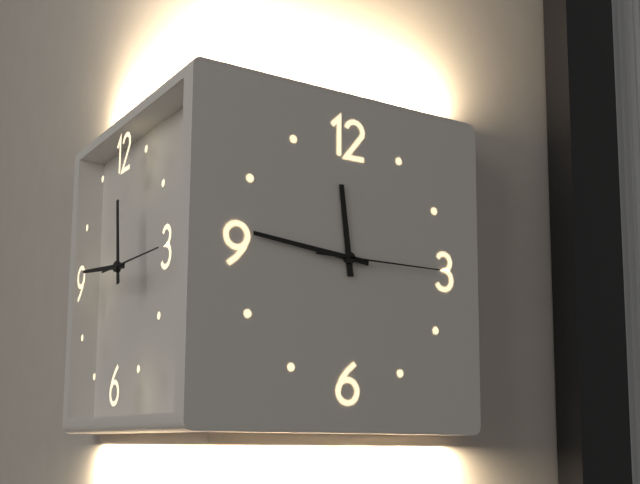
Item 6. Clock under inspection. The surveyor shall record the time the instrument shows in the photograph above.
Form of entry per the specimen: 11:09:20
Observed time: 11:46:15
